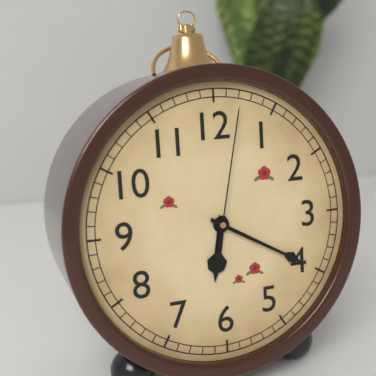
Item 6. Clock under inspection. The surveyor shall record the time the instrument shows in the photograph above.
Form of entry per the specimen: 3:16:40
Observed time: 6:20:02
